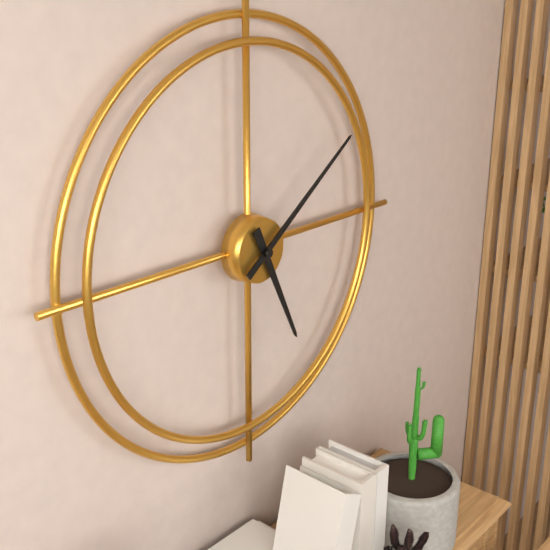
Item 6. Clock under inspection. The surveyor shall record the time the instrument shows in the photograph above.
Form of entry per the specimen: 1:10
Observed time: 5:09
